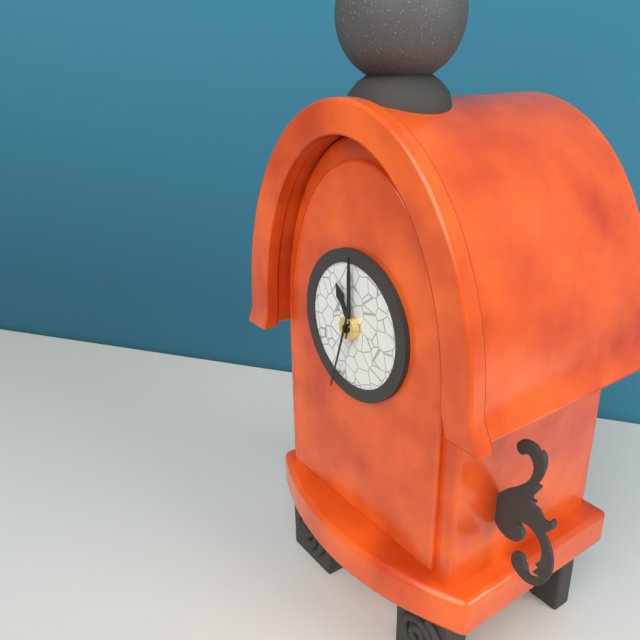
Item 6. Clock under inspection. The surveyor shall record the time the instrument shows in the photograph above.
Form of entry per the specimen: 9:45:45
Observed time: 11:00:33
